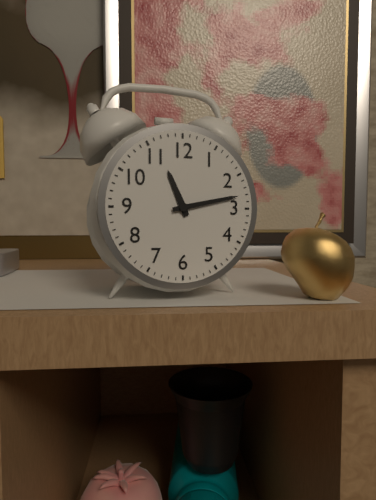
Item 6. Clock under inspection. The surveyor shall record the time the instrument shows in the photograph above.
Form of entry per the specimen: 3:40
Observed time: 11:13
